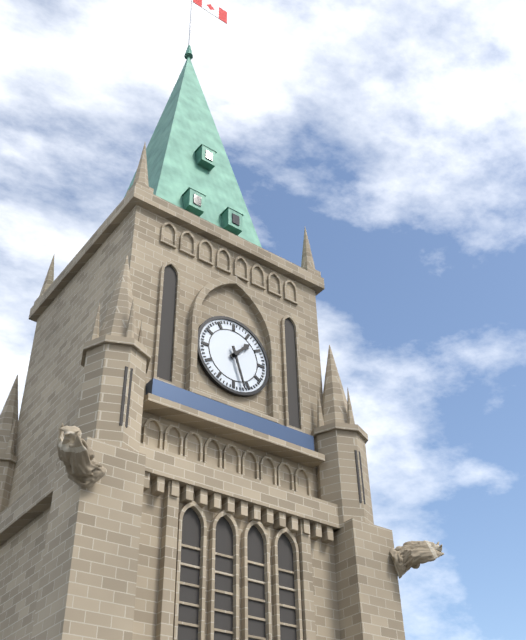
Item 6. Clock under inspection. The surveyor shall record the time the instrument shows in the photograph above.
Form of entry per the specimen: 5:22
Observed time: 1:27
